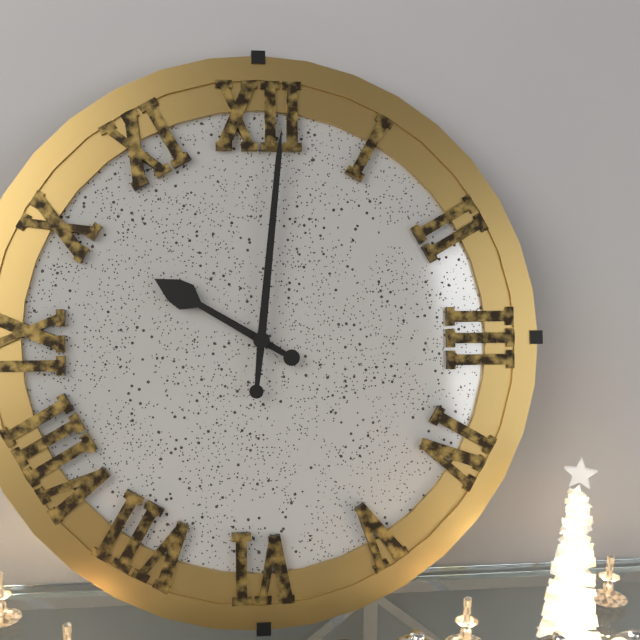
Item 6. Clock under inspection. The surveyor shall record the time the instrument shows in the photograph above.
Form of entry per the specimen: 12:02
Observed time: 10:01
